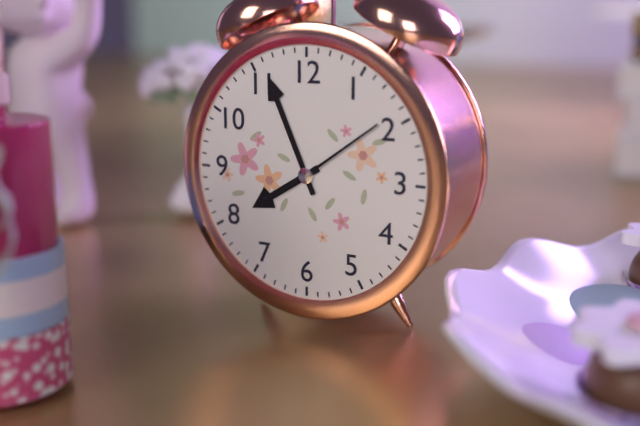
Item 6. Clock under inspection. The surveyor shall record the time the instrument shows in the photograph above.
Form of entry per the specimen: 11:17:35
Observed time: 7:56:09
